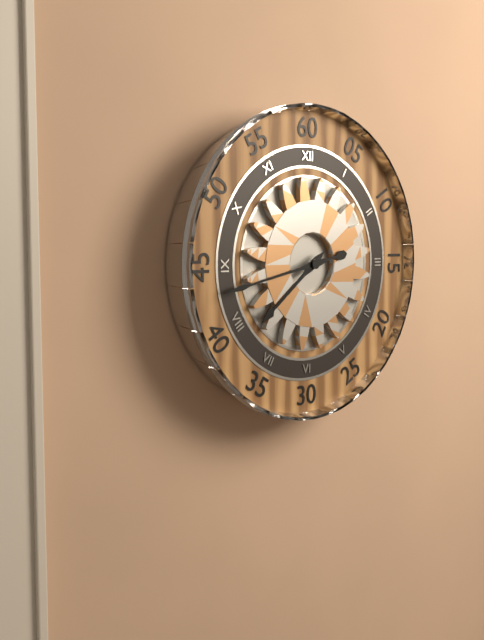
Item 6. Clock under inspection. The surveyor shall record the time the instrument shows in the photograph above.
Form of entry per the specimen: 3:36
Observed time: 7:43
